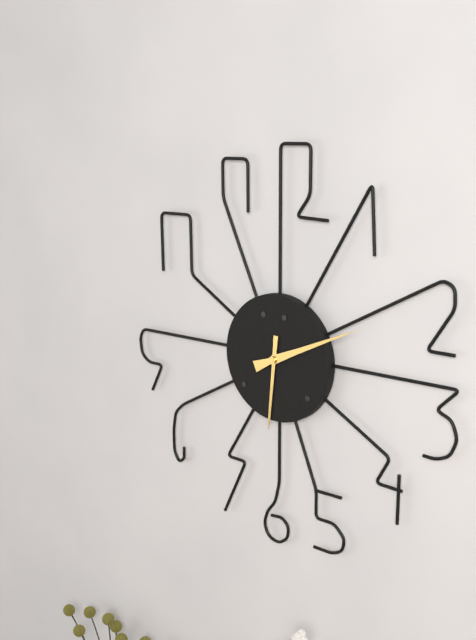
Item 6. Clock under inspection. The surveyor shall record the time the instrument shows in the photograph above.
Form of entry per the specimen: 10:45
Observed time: 6:11
